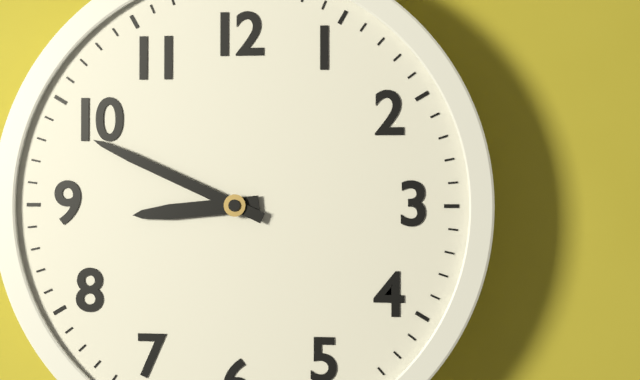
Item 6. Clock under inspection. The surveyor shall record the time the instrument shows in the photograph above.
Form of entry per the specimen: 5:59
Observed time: 8:49
